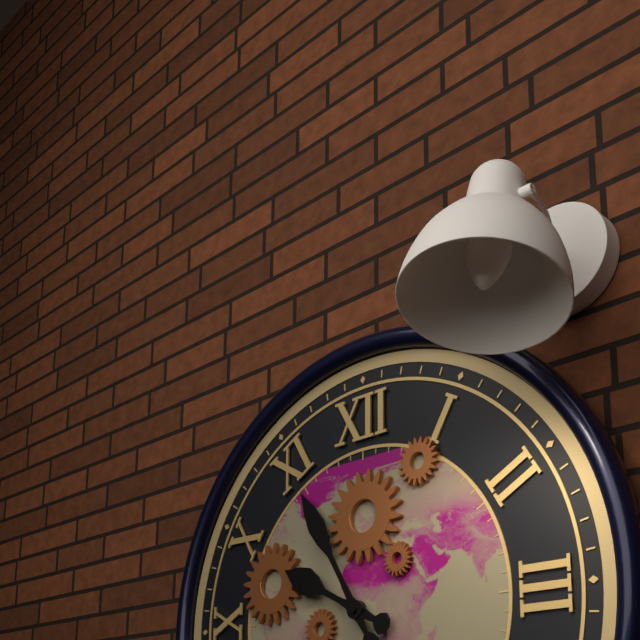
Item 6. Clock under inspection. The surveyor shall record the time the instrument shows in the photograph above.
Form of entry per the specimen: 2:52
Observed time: 9:55
